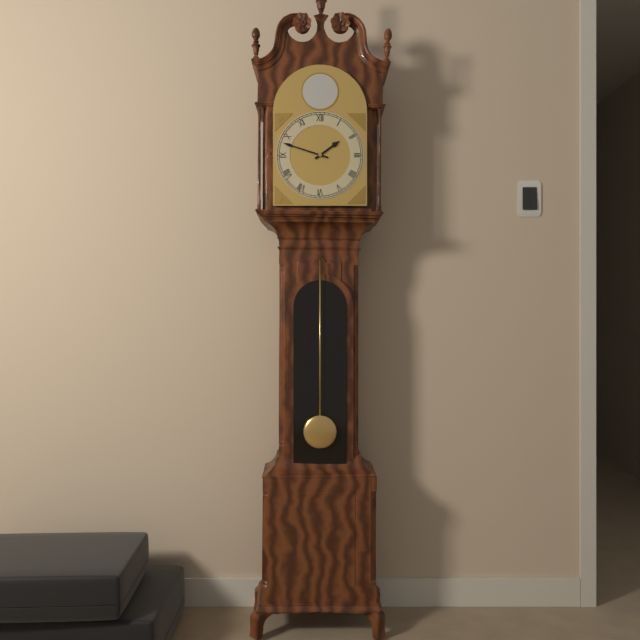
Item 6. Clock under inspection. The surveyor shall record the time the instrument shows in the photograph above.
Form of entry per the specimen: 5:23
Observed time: 1:48
